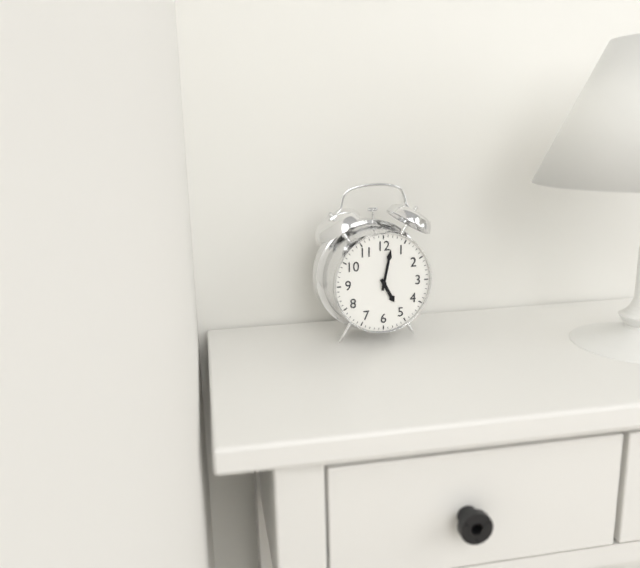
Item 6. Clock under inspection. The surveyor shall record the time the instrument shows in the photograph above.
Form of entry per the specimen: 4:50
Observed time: 5:02
